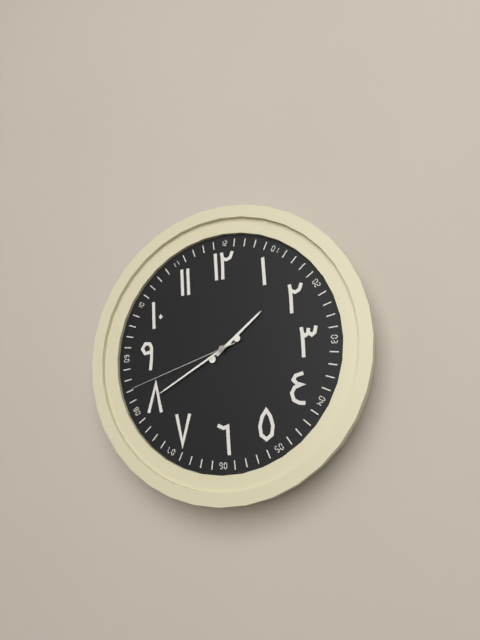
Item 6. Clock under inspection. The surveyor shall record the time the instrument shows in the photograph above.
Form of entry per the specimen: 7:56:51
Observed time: 1:40:42
